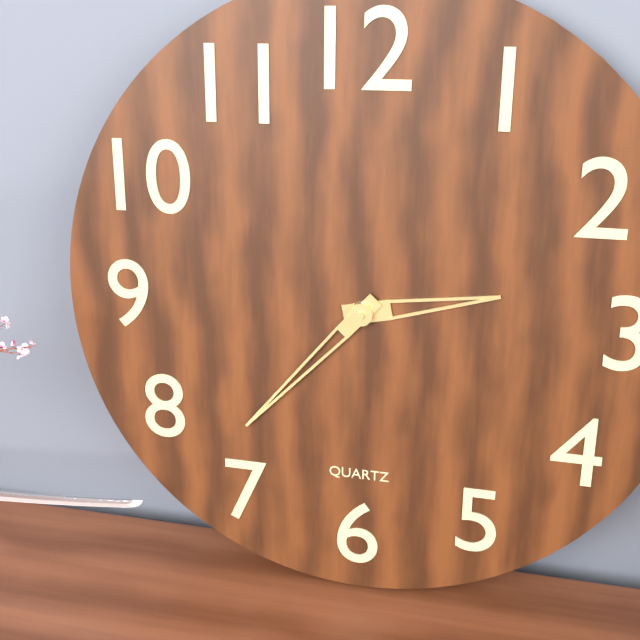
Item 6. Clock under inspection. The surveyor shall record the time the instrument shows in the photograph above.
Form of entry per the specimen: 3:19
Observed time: 2:37
